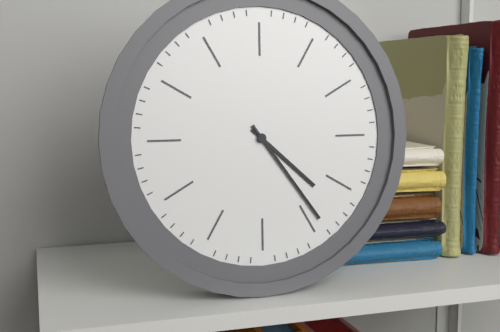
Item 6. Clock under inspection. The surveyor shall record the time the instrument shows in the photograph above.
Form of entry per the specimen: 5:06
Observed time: 4:24
